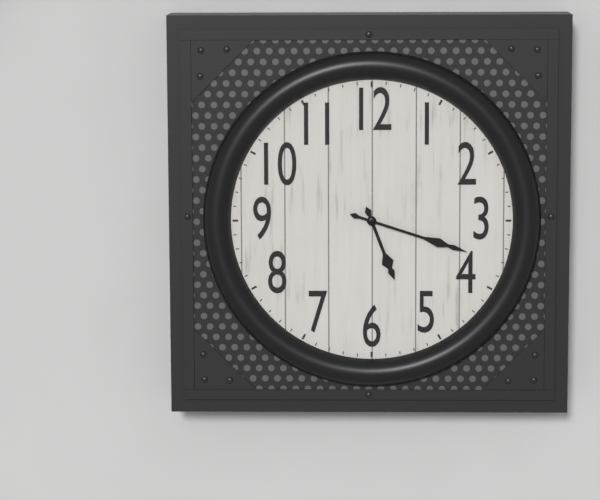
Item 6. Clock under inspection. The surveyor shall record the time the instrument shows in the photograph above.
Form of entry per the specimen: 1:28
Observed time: 5:18
